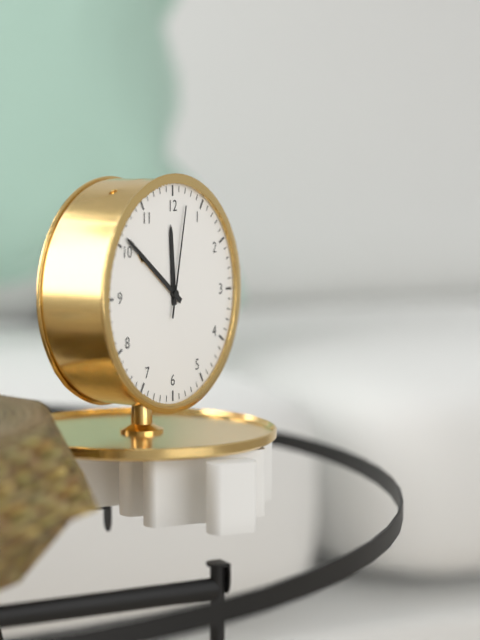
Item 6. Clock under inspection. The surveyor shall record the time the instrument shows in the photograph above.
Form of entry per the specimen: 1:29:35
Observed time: 11:51:02
